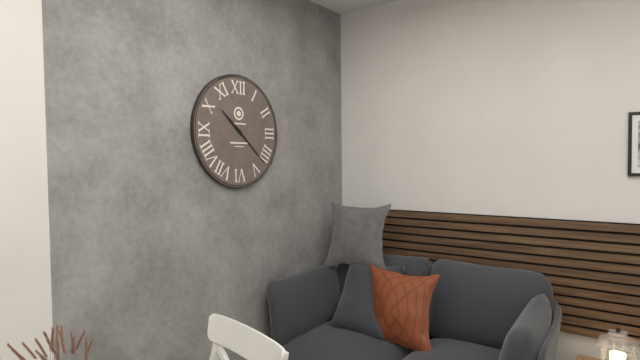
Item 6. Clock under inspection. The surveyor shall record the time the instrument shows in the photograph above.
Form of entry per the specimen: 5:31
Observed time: 10:22
